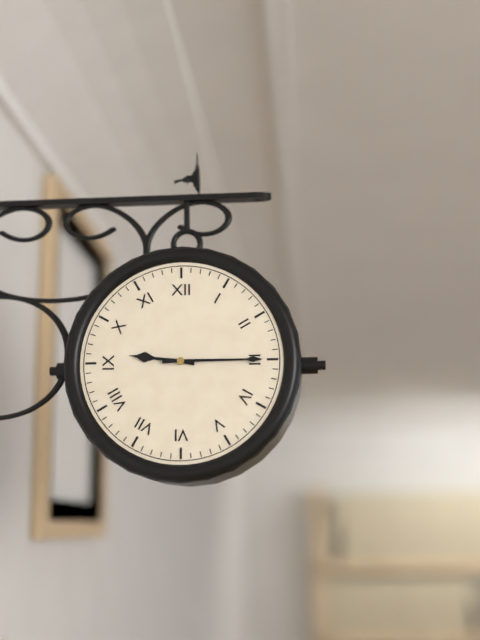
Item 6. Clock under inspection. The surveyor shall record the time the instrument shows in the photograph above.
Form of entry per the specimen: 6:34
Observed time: 9:15
